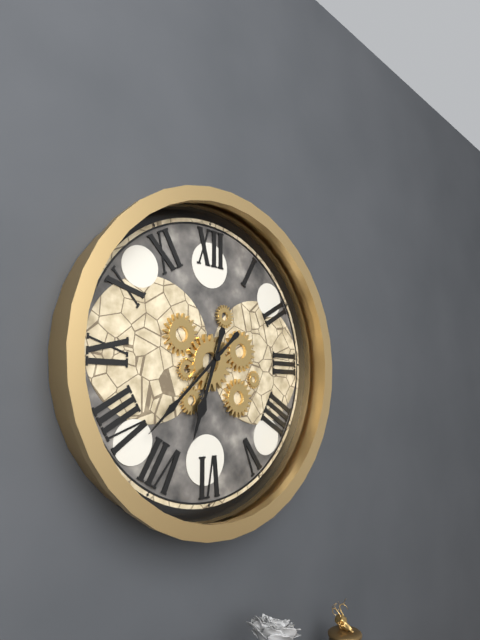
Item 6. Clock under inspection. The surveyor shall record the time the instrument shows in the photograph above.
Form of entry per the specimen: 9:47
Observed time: 6:38
